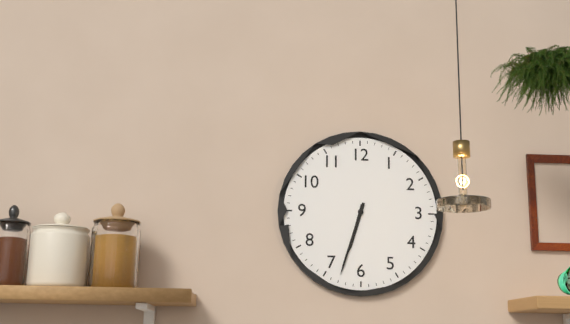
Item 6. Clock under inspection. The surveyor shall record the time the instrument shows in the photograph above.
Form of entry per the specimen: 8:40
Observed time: 6:33
